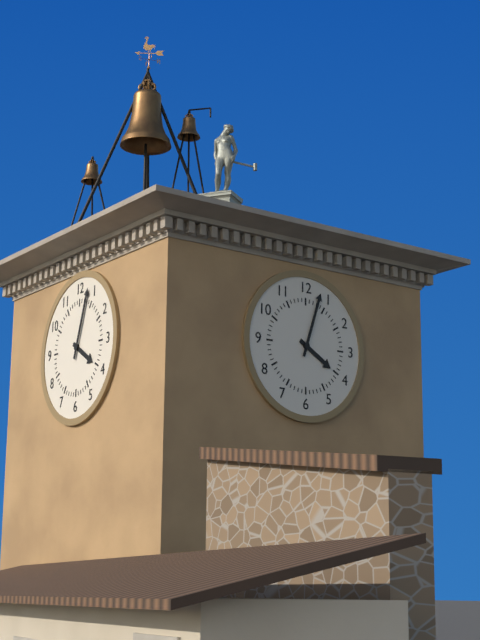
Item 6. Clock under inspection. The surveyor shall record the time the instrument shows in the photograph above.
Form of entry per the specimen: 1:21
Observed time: 4:03
